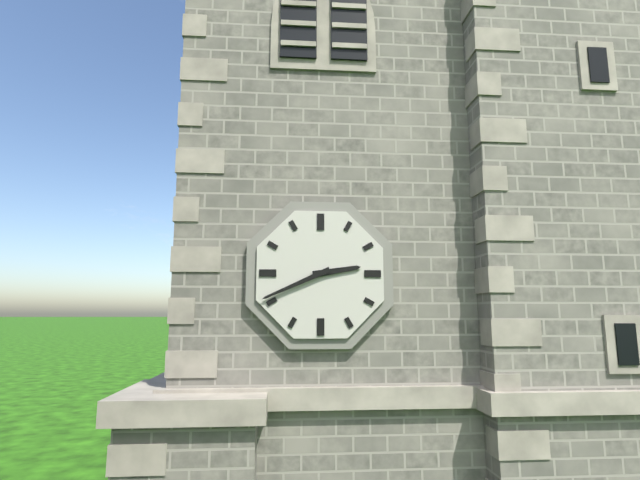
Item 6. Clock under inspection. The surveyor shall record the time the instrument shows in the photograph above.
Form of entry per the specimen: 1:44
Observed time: 2:41
